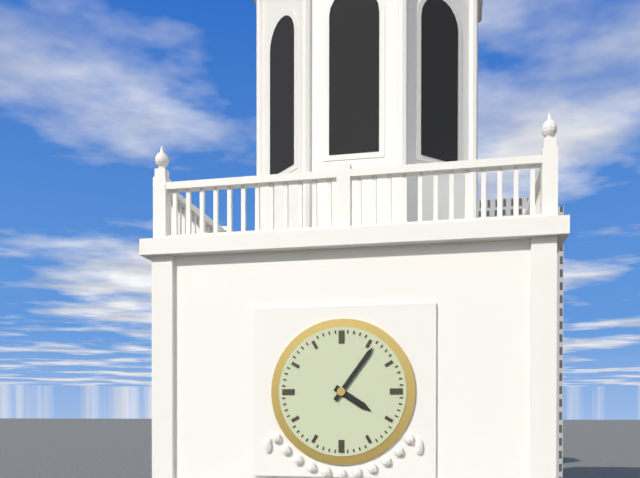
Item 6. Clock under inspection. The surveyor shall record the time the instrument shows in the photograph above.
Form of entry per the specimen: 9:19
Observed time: 4:06
